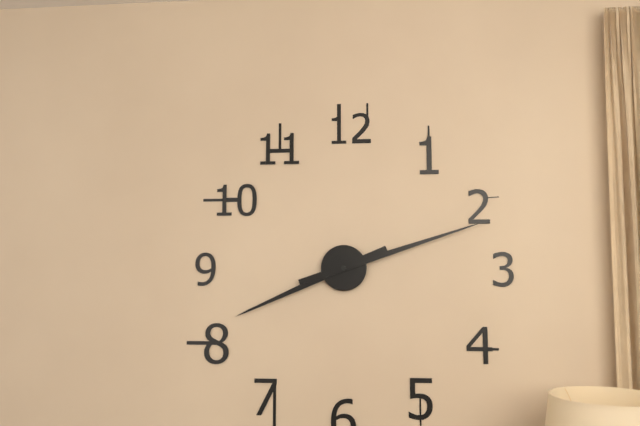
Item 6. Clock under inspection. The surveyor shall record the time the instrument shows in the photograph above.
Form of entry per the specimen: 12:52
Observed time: 8:12
